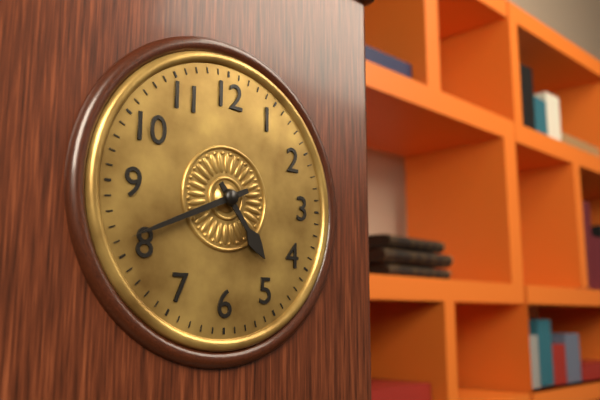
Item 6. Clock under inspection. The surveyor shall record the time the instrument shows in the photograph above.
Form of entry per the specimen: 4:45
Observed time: 4:41
